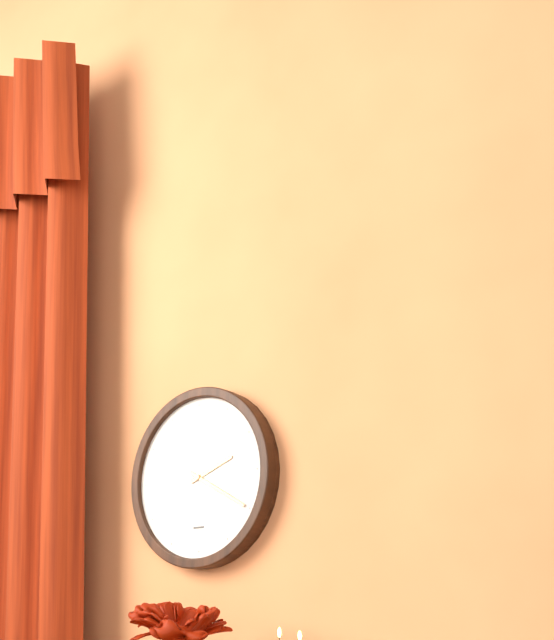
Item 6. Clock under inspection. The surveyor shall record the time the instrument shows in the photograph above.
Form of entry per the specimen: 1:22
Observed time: 2:20
